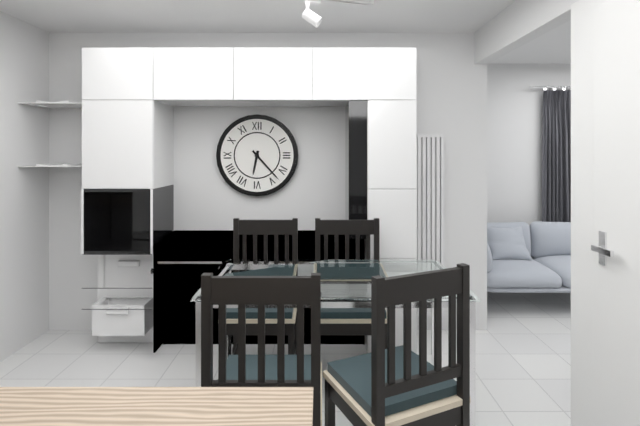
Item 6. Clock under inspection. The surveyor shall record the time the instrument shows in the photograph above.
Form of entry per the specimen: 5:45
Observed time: 6:23
